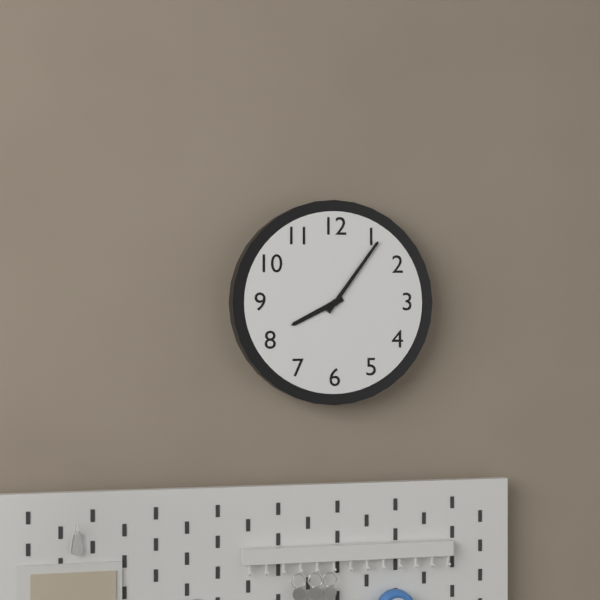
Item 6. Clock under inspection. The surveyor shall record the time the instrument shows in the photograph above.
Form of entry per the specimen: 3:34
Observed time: 8:06
